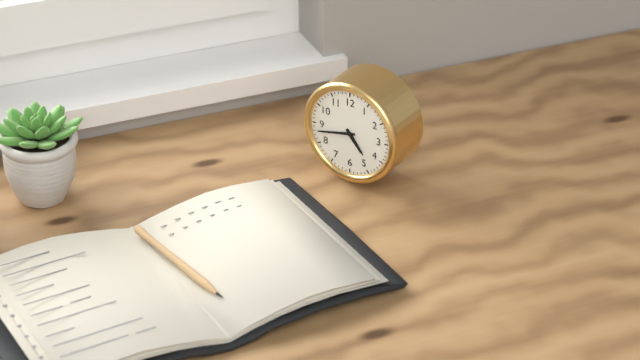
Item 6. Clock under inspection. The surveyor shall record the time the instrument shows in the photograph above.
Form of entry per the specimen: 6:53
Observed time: 4:43
